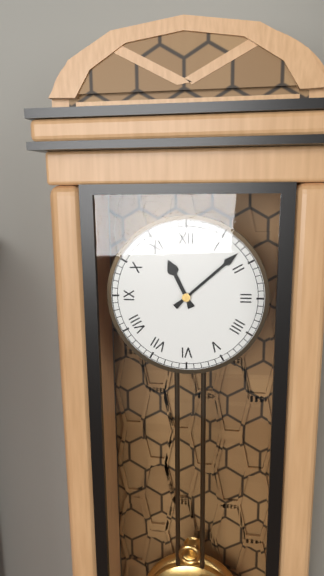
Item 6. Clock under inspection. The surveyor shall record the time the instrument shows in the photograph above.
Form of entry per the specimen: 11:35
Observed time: 11:08
